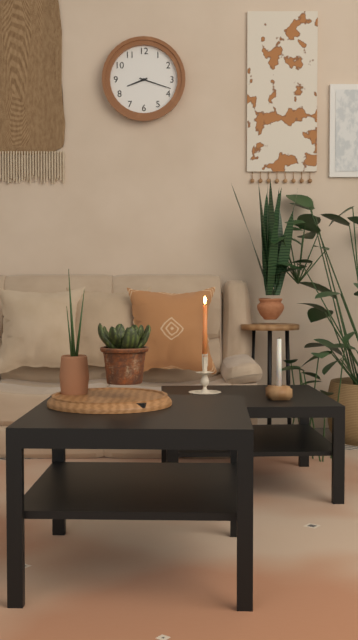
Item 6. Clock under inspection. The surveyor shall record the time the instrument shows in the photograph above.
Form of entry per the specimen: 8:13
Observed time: 8:18
